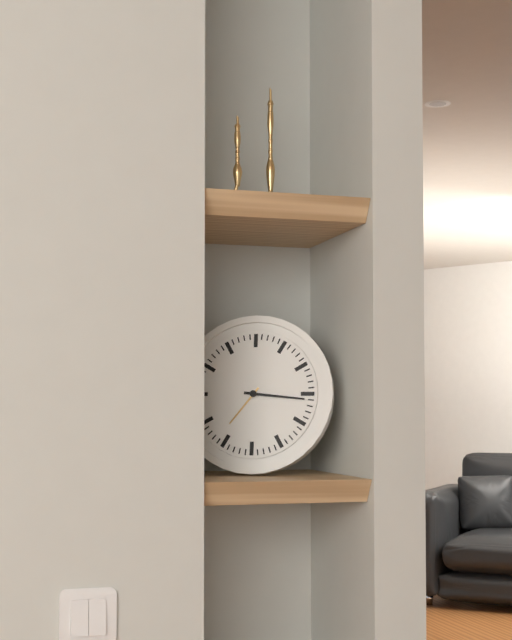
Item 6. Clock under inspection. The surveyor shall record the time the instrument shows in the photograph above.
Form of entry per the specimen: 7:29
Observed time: 7:16
